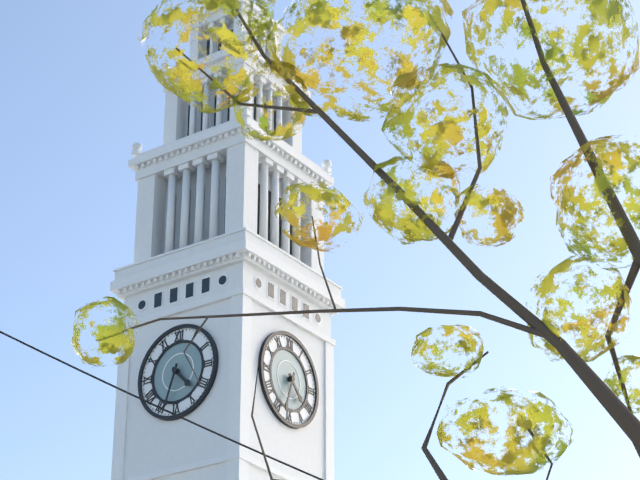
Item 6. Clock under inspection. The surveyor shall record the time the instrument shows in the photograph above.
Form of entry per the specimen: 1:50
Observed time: 4:33
